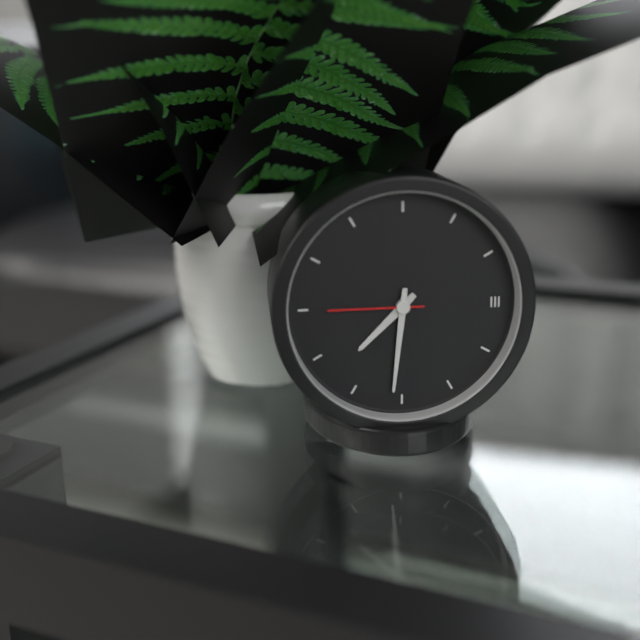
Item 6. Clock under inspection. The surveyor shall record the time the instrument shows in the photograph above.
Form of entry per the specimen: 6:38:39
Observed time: 7:31:45
